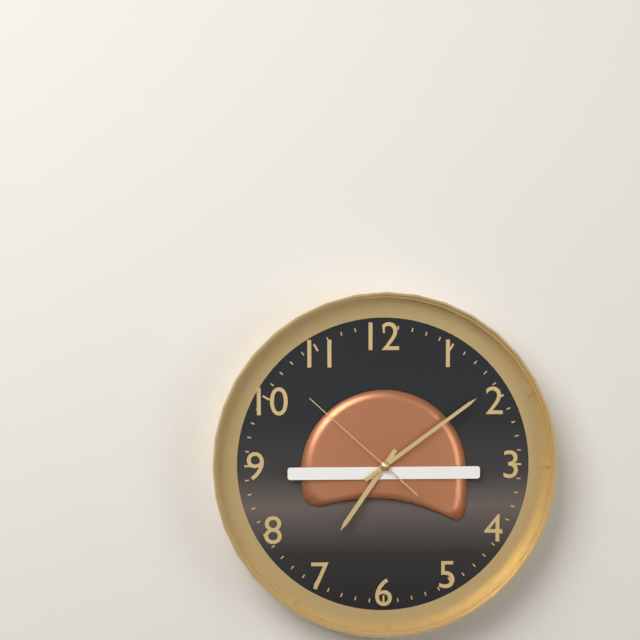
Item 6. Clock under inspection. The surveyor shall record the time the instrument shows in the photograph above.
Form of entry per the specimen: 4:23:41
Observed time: 7:09:52
